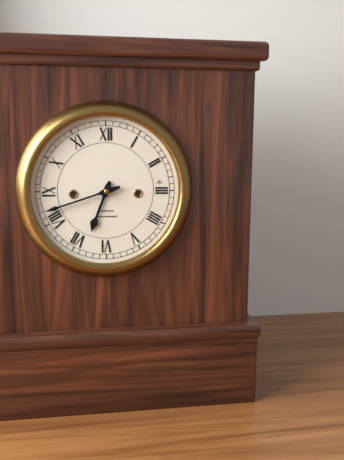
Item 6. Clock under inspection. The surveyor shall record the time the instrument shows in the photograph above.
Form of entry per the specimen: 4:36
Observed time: 6:42
